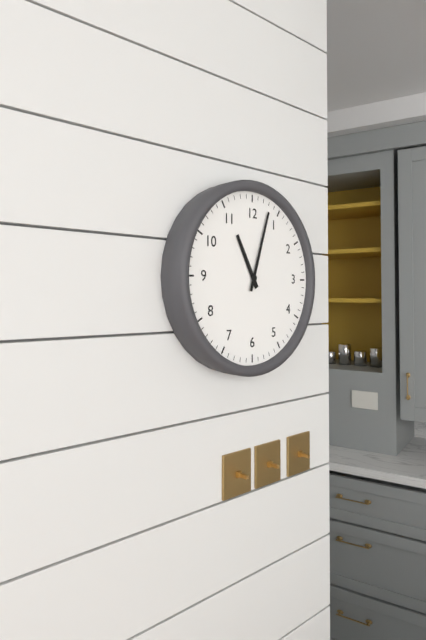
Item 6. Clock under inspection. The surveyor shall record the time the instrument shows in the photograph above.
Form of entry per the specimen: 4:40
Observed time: 11:03
